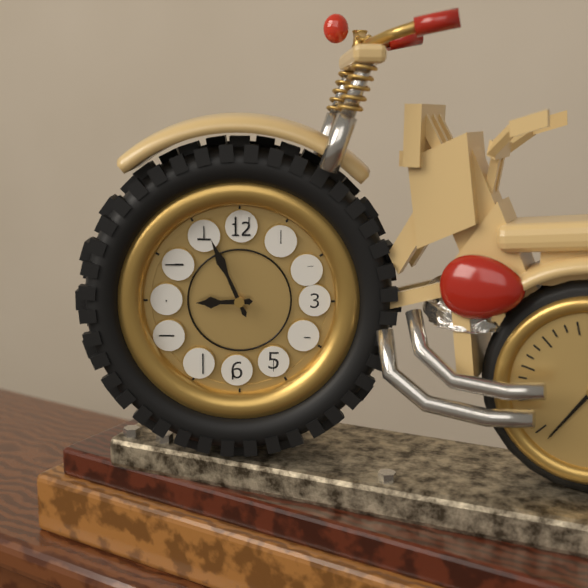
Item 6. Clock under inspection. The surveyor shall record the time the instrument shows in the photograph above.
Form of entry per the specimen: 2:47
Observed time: 8:56
